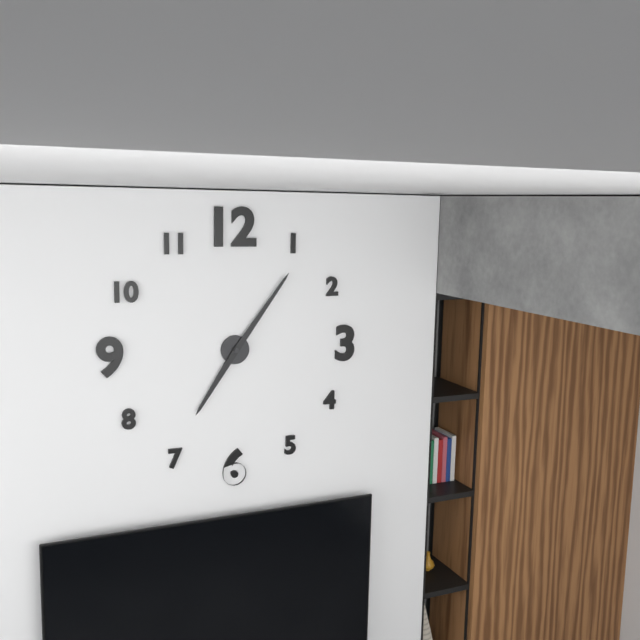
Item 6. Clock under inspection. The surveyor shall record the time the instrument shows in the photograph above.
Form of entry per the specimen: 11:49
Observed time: 7:06
